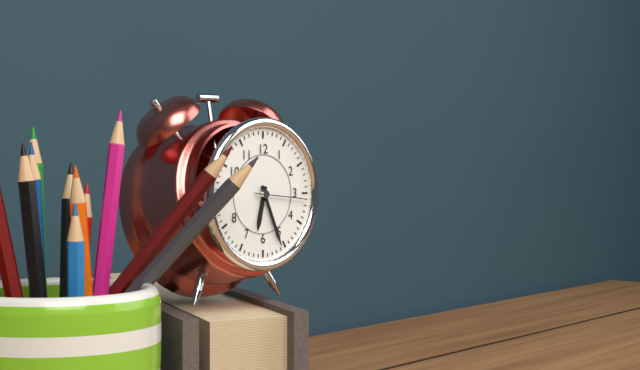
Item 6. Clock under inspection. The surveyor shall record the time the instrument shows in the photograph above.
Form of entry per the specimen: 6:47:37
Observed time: 6:26:16
